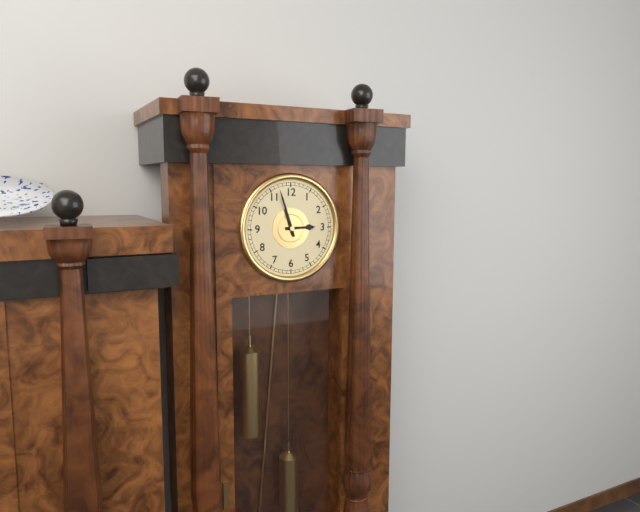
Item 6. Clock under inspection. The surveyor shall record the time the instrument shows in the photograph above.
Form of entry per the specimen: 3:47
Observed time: 2:57
